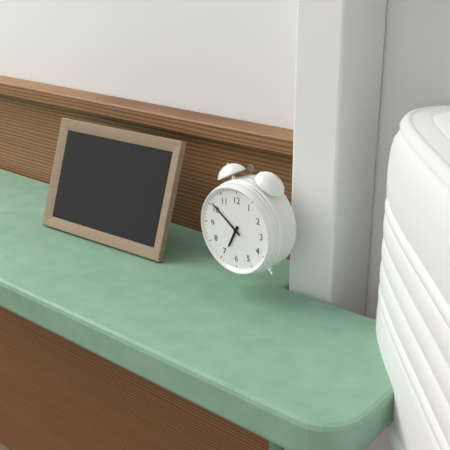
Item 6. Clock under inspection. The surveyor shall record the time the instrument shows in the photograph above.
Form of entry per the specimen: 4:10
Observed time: 6:51
